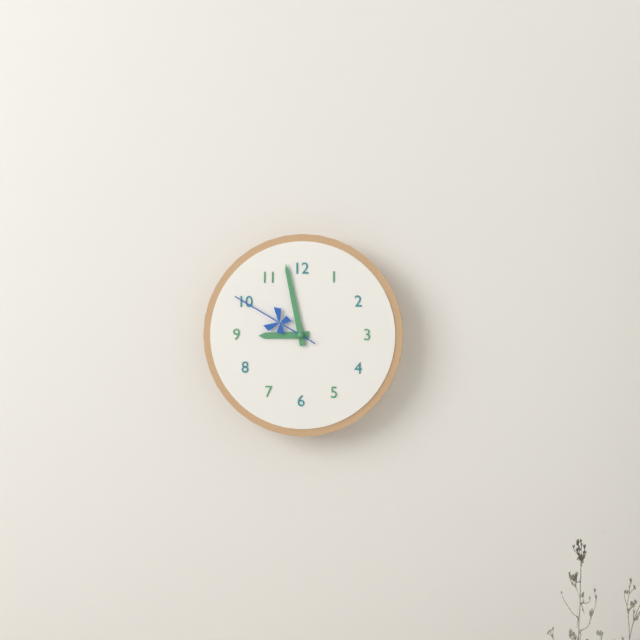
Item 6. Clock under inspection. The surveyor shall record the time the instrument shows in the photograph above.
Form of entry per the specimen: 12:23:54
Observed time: 8:58:50
